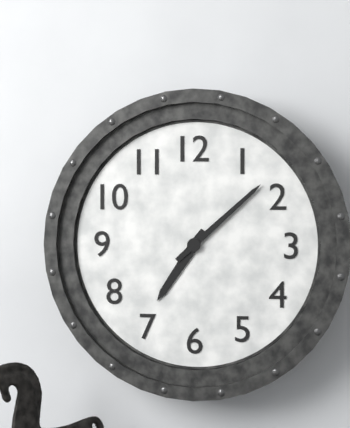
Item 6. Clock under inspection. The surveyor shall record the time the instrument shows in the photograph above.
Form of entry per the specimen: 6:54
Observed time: 7:08
